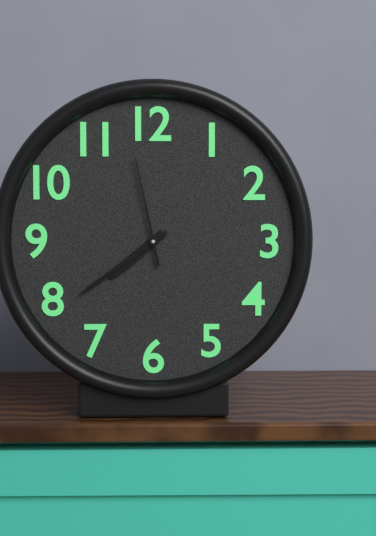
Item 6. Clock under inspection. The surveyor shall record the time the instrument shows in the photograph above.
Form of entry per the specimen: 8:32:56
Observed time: 7:39:58
